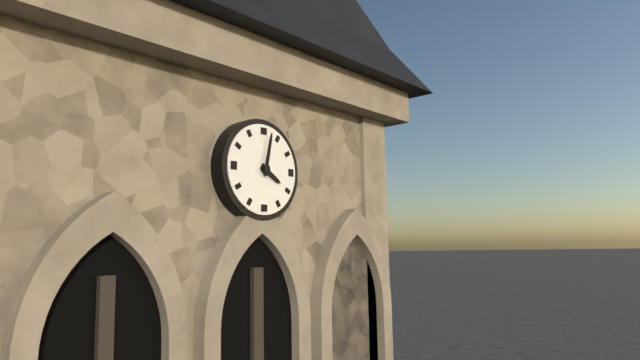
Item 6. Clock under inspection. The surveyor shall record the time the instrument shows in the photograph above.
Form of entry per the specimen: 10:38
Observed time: 4:02
